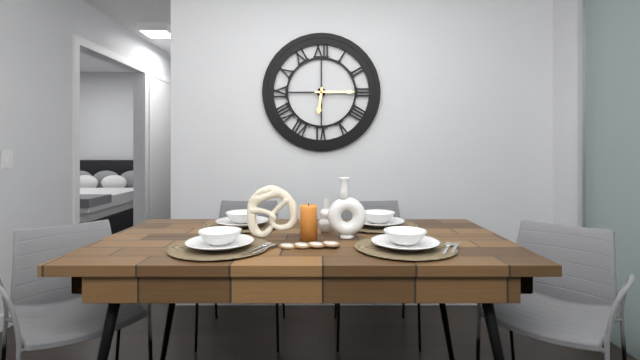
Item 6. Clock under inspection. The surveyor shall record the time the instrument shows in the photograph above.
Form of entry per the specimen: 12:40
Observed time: 6:15
